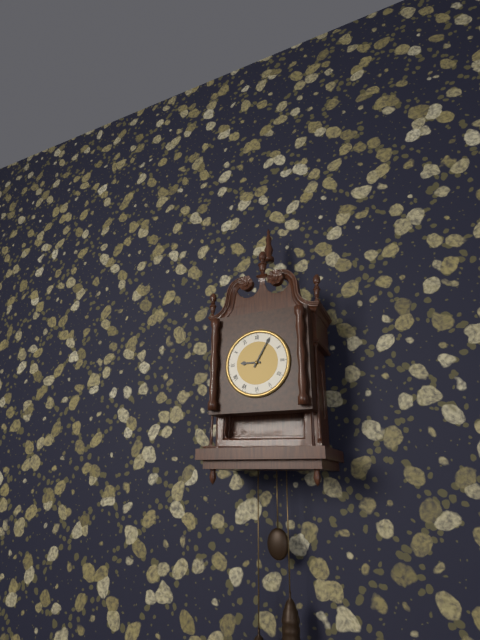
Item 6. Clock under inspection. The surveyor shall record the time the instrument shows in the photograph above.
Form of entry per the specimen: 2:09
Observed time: 9:05
